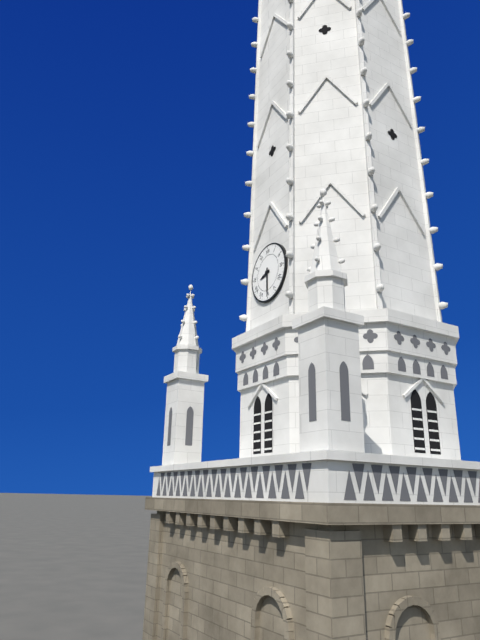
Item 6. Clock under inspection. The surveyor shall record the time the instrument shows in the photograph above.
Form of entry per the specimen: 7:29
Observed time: 8:30
